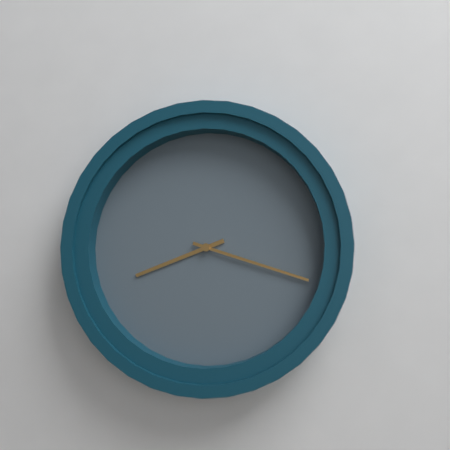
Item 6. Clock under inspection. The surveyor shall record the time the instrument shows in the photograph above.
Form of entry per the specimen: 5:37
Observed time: 8:18
